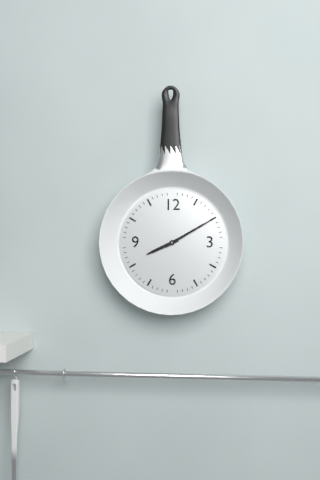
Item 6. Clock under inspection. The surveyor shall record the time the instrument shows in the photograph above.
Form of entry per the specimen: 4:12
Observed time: 8:10
